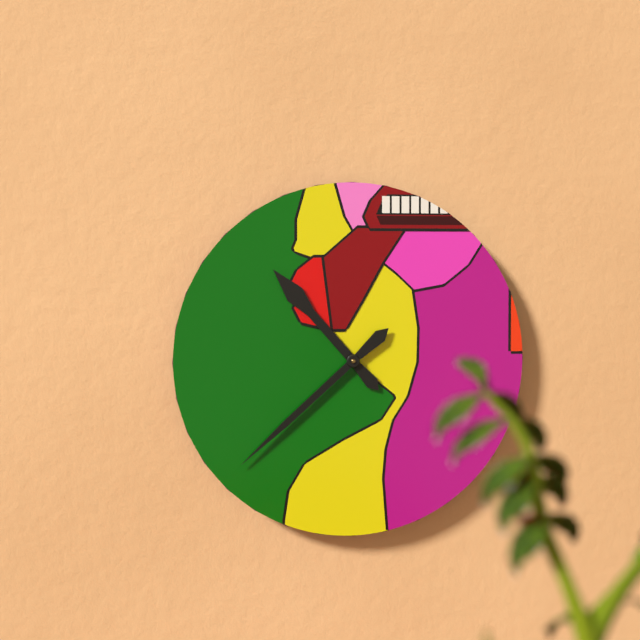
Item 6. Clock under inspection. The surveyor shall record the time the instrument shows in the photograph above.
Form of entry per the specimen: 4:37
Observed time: 10:38
